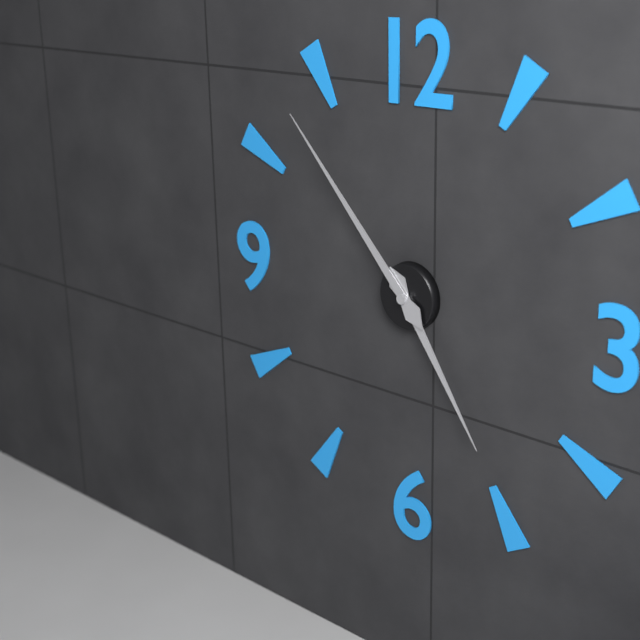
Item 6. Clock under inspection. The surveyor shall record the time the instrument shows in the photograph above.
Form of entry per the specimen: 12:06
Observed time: 4:53
